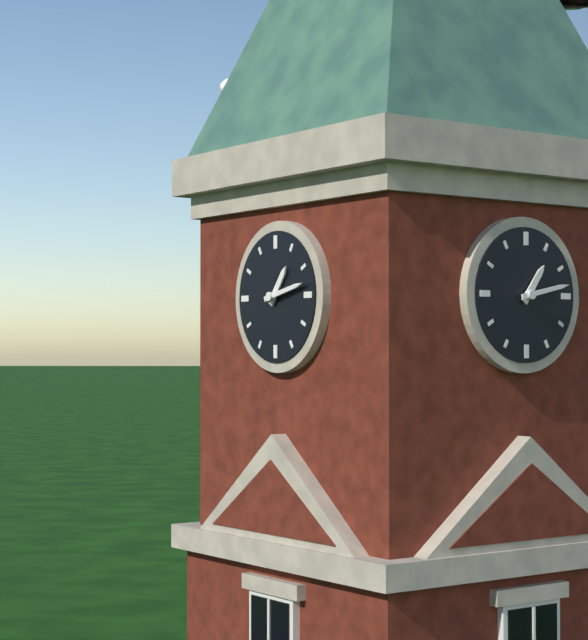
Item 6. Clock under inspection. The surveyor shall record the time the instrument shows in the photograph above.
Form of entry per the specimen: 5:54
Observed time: 1:13
